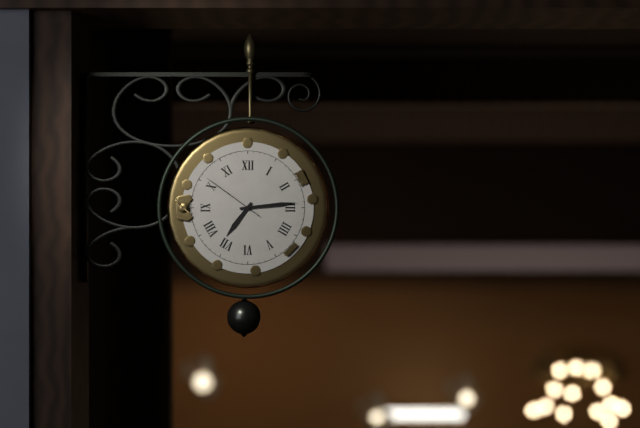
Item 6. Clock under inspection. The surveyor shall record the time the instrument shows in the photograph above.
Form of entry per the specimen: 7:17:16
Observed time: 7:14:51
